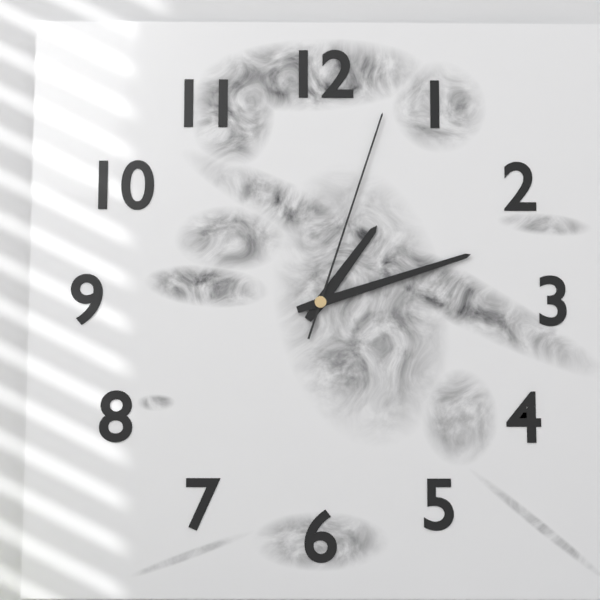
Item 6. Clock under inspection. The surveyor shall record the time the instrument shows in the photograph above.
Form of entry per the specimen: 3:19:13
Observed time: 1:12:03
